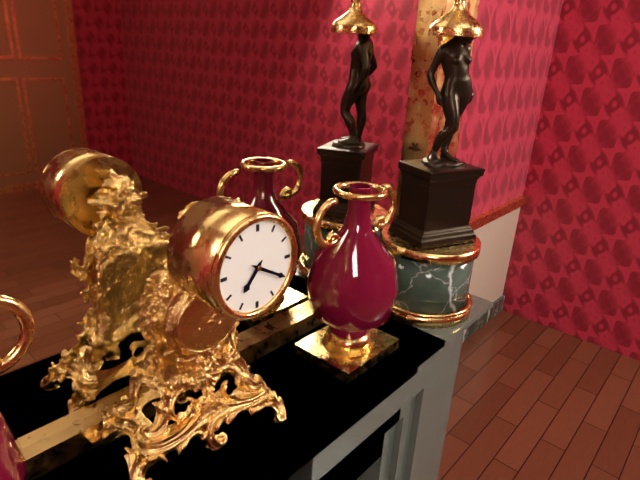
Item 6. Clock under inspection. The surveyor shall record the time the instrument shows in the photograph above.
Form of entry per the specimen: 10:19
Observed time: 7:20
